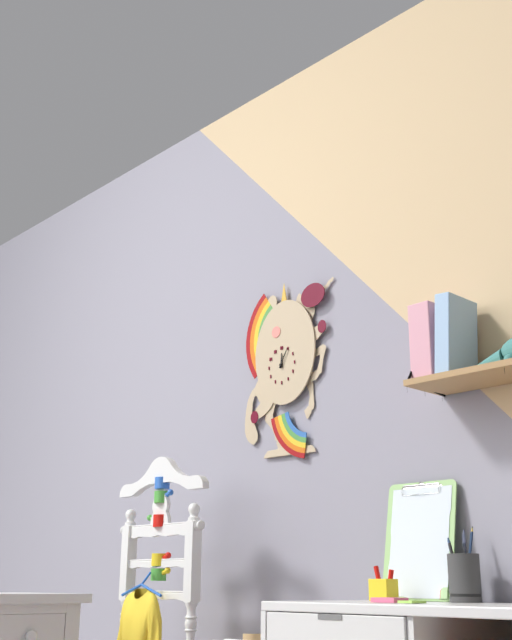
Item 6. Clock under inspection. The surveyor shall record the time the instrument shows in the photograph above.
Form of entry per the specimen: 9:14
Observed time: 12:05
